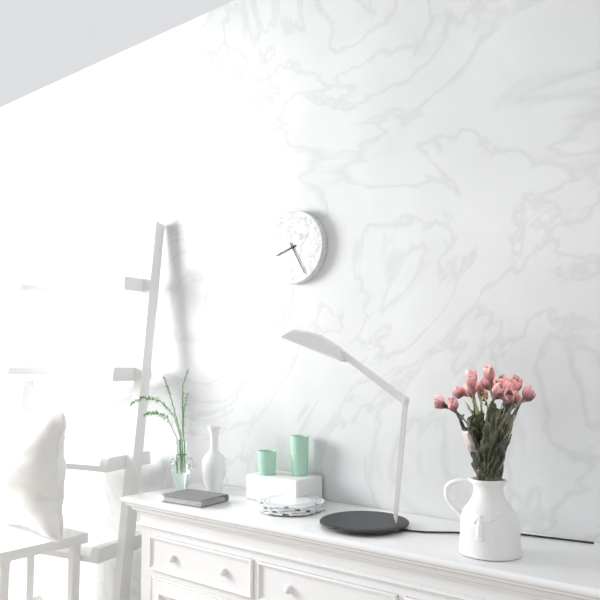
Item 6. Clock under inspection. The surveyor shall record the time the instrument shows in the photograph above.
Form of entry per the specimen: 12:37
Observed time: 8:25
